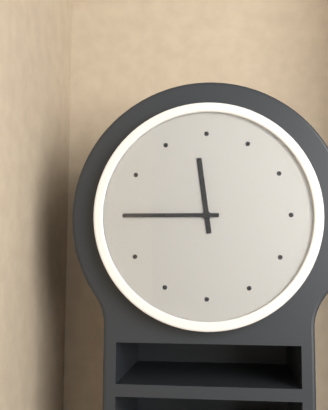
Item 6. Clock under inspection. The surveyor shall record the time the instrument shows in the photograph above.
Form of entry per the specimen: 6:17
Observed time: 11:45
